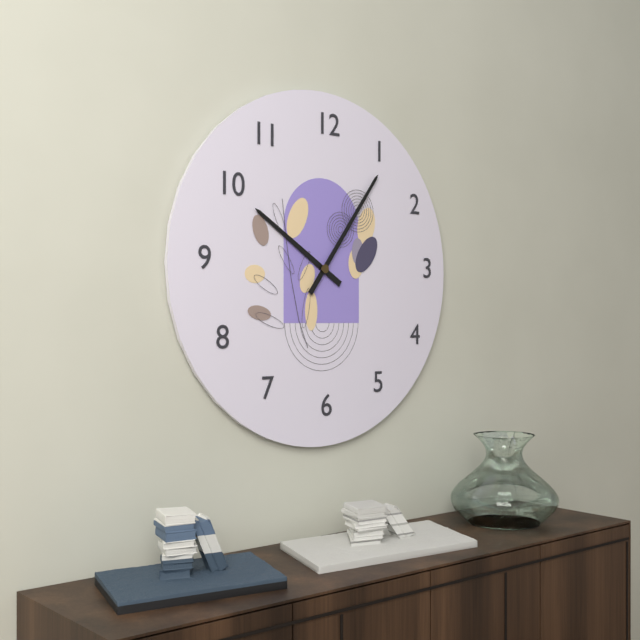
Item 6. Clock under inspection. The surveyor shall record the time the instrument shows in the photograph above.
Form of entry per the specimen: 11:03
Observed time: 10:06
